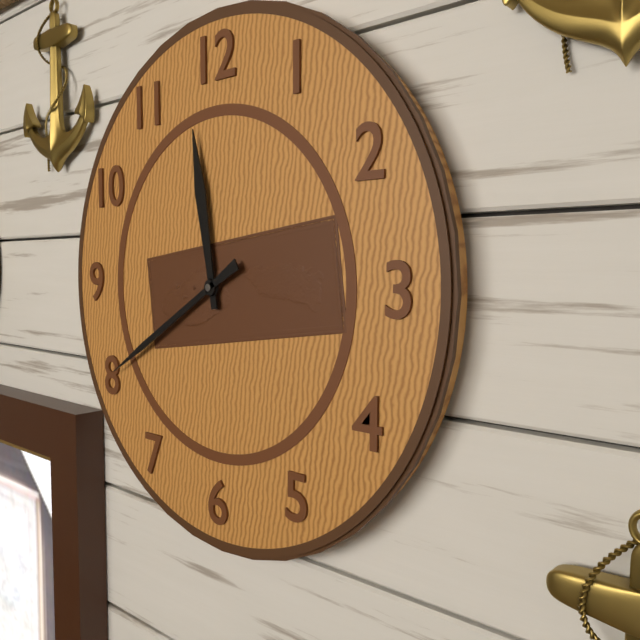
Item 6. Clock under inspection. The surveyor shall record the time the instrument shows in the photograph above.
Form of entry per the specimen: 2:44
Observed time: 11:40
